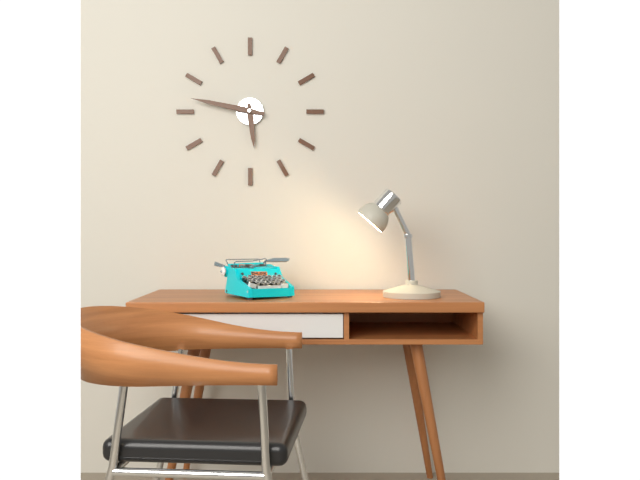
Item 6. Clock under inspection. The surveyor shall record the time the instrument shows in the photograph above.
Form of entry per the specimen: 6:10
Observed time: 5:47
